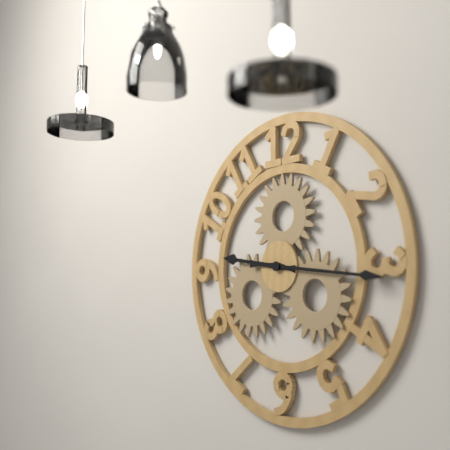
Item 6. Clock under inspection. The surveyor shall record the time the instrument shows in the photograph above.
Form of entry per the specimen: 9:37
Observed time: 9:16
